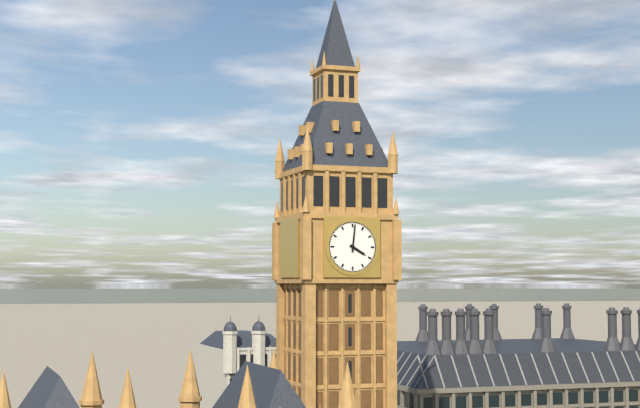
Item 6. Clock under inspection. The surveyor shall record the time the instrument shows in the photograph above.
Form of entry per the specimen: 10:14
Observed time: 4:01
